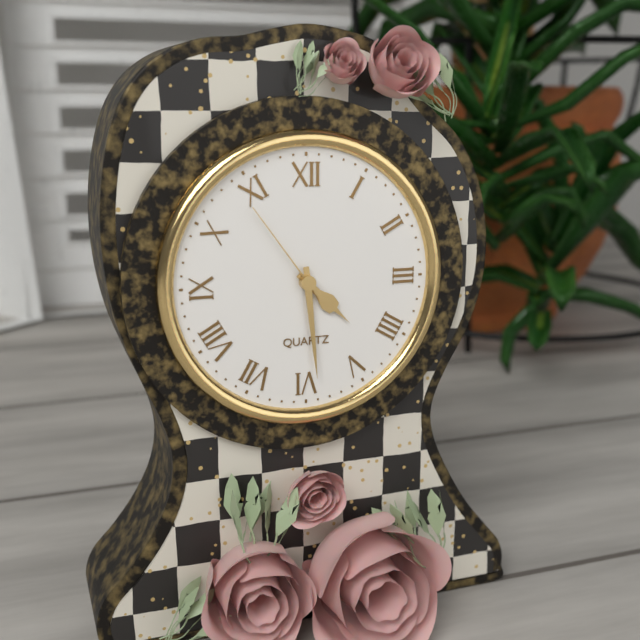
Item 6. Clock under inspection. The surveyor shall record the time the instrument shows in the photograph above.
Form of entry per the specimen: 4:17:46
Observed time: 4:29:54
